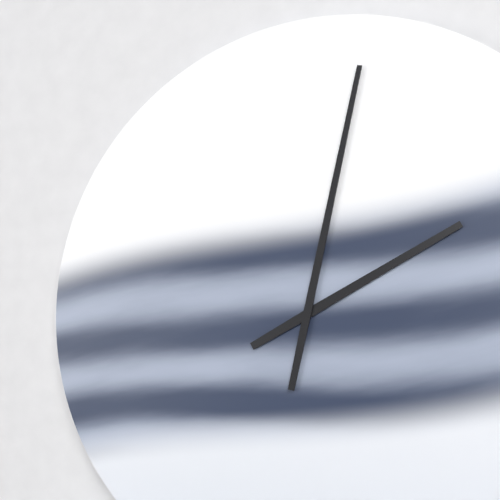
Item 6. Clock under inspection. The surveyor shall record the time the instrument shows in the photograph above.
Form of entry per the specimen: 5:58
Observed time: 2:02
